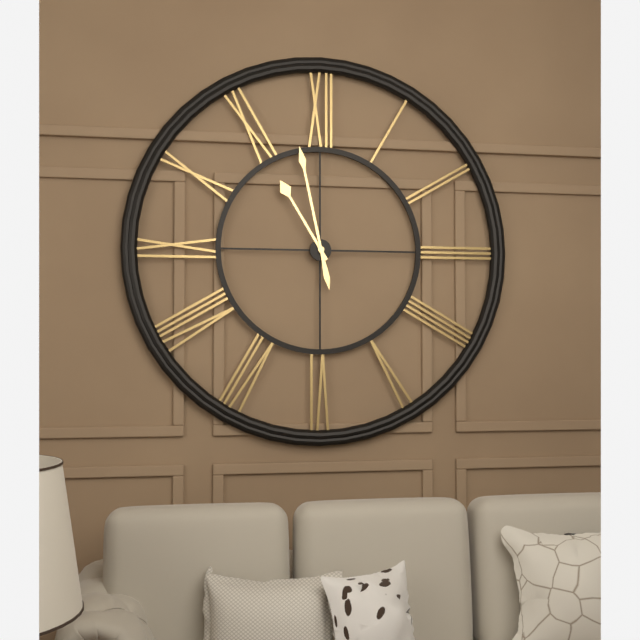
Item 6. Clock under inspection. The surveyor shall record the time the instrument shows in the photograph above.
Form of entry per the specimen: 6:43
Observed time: 10:58
